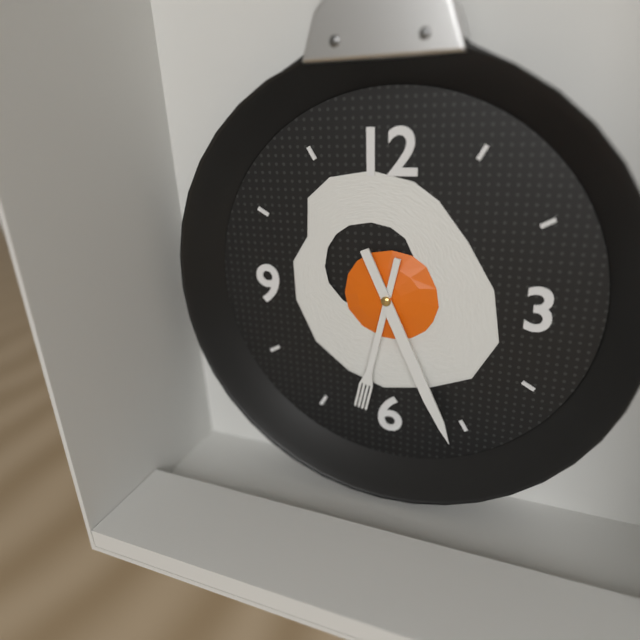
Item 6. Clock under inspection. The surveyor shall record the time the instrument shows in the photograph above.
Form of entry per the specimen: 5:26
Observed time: 6:26
